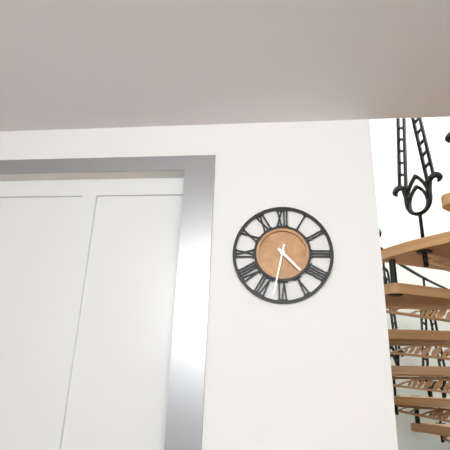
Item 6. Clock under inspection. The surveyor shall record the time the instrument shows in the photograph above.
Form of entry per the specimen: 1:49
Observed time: 4:32
